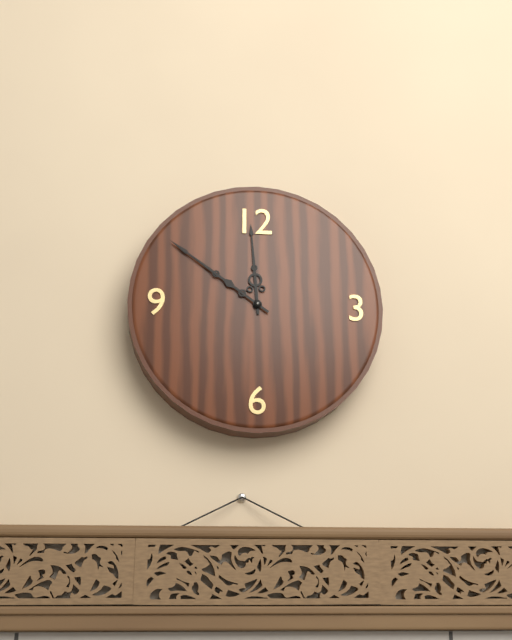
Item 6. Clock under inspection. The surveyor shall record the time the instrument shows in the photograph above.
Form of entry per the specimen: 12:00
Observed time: 11:51
